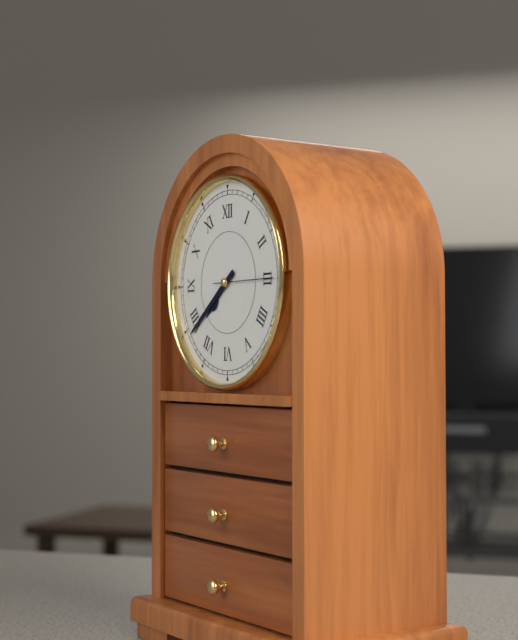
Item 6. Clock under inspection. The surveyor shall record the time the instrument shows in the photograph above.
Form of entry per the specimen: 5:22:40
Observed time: 7:39:15
